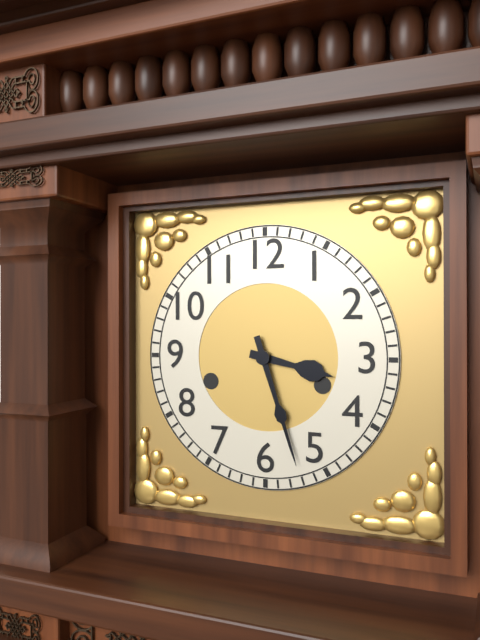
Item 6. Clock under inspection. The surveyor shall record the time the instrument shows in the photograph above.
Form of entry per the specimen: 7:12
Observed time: 3:27
